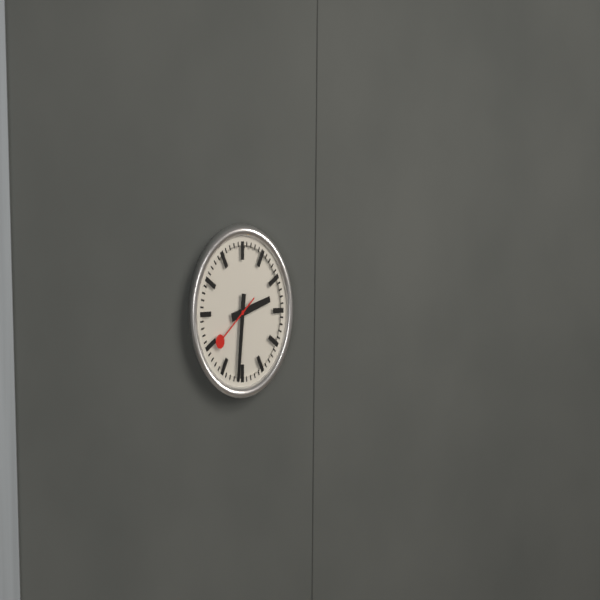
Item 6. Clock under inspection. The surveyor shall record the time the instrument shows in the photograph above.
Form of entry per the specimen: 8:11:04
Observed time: 2:31:39
